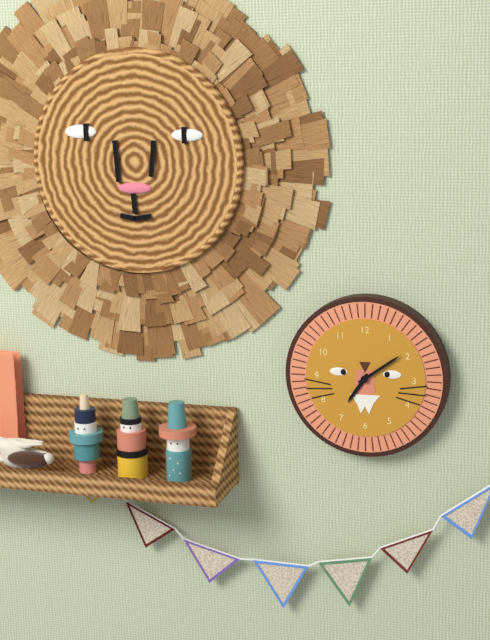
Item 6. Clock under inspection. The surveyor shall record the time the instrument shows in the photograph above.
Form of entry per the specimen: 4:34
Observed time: 7:09
